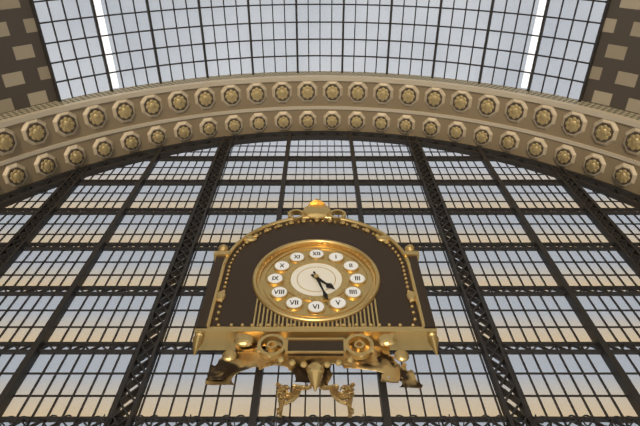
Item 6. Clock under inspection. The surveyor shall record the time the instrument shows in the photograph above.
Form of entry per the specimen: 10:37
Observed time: 4:27
